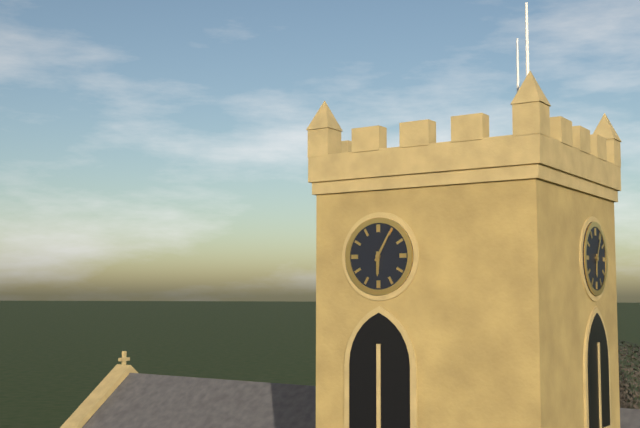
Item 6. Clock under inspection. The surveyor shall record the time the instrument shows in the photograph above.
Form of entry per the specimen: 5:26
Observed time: 6:05
